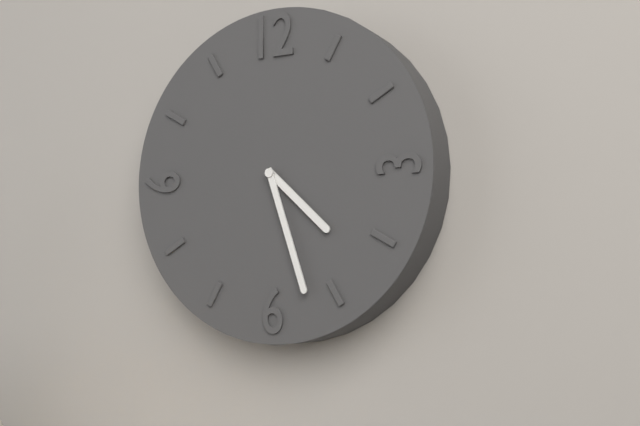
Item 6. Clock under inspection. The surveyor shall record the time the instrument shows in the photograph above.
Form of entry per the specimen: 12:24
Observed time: 4:27
